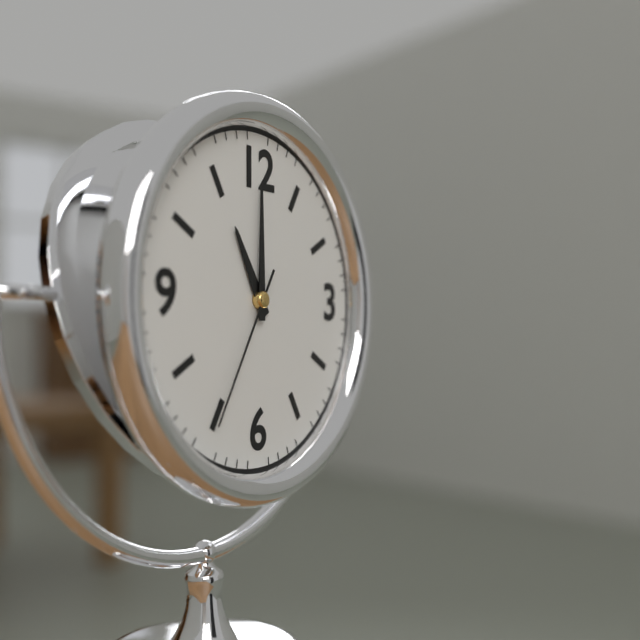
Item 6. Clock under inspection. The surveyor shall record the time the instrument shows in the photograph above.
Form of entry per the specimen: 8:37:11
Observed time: 11:00:35
